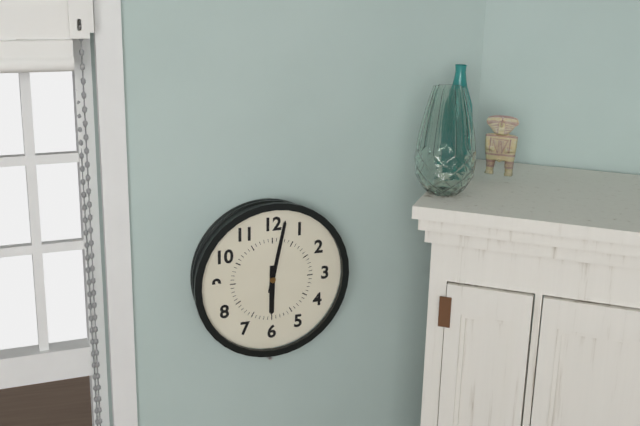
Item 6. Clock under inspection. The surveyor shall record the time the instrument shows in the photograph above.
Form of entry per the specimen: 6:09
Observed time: 6:02
